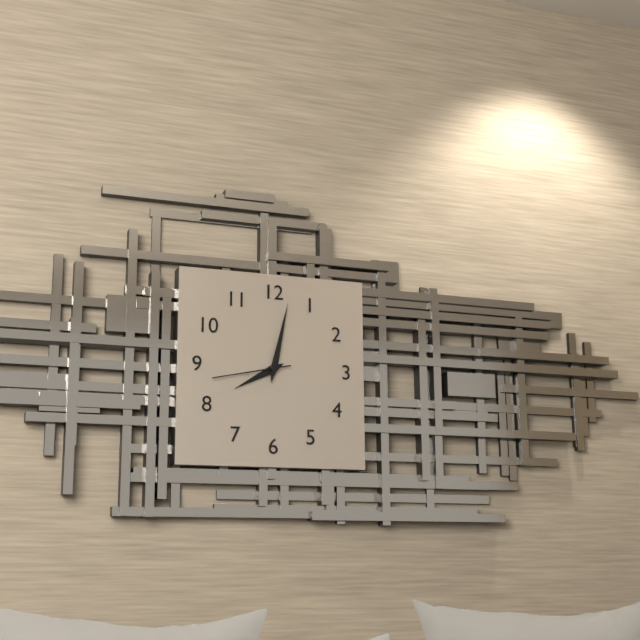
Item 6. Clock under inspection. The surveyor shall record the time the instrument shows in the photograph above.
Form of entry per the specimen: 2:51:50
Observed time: 8:02:43
